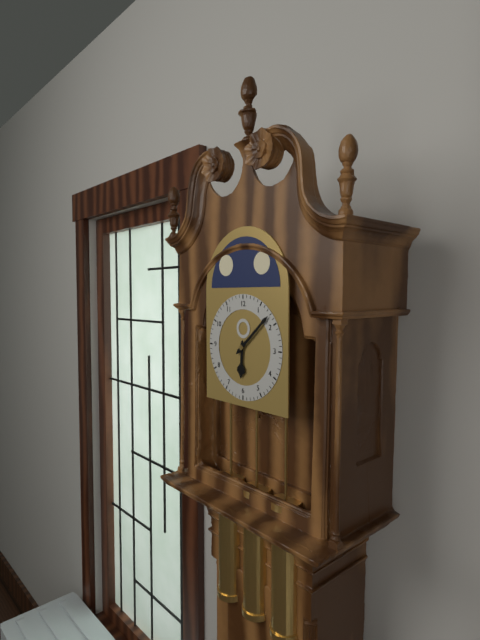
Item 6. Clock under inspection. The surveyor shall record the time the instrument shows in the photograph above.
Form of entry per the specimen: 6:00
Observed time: 6:08
